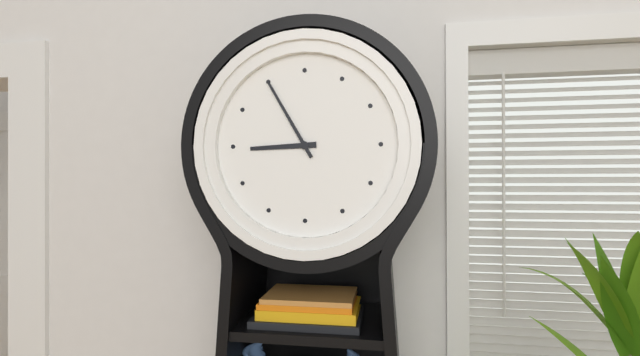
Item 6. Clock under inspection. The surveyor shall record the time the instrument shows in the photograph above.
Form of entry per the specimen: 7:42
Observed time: 8:55
